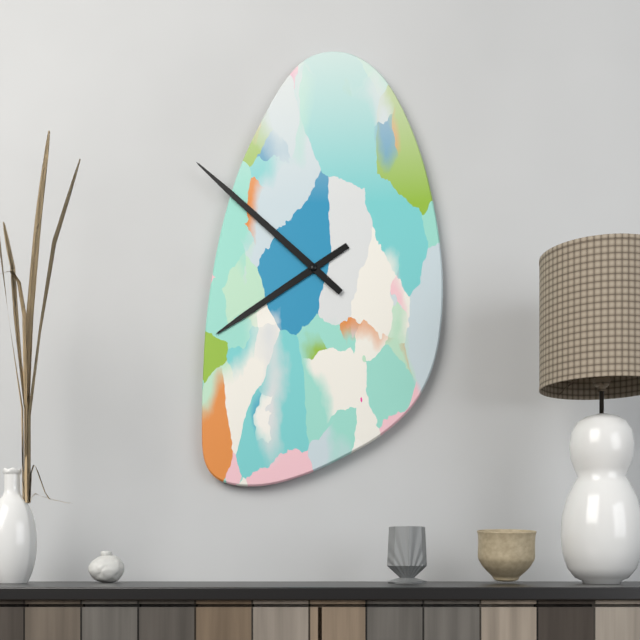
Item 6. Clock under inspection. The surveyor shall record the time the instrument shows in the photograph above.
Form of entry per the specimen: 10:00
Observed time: 7:52
